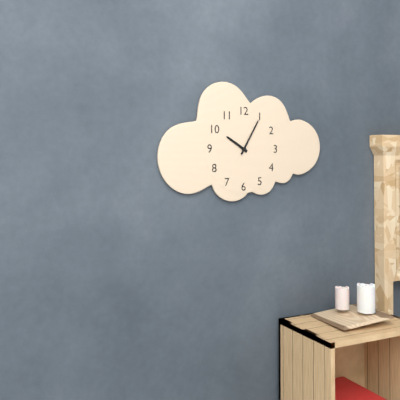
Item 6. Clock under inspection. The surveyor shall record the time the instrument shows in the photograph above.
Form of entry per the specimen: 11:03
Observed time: 10:05
